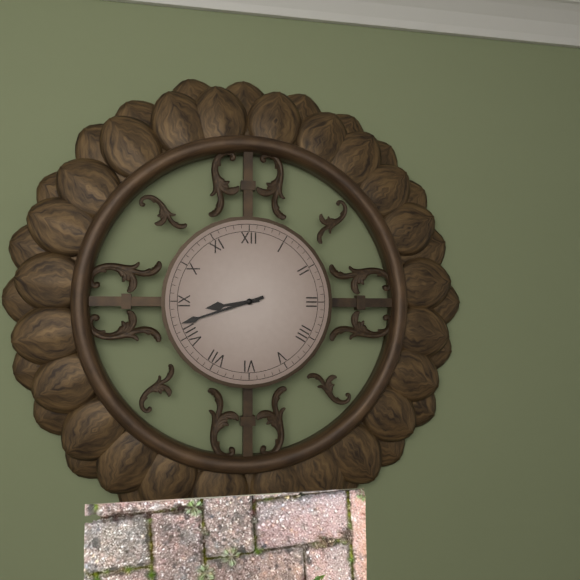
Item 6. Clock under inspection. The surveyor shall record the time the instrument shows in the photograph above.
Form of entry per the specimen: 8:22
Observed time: 8:42
